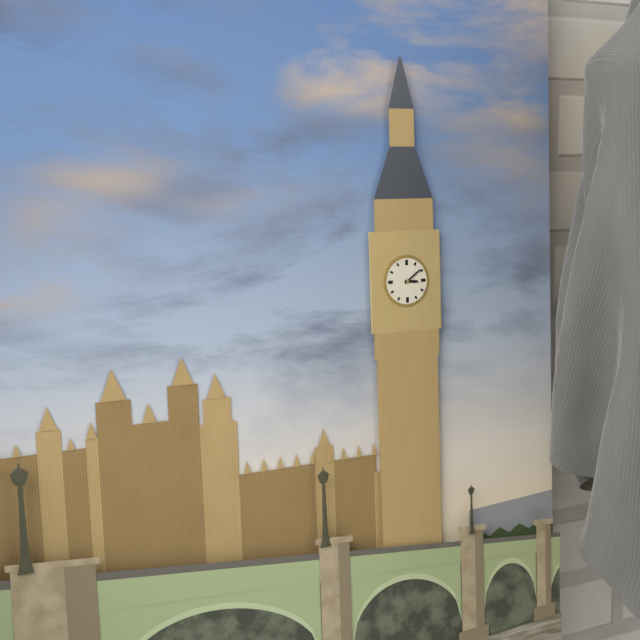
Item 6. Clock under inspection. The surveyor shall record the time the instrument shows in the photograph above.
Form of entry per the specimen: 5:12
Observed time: 3:09
